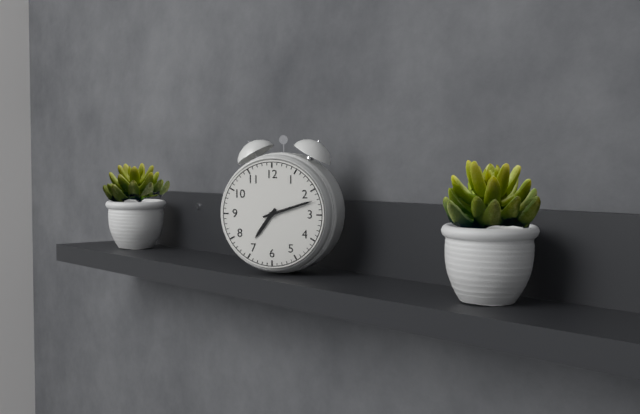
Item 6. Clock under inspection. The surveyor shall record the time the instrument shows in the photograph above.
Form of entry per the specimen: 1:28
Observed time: 7:12
